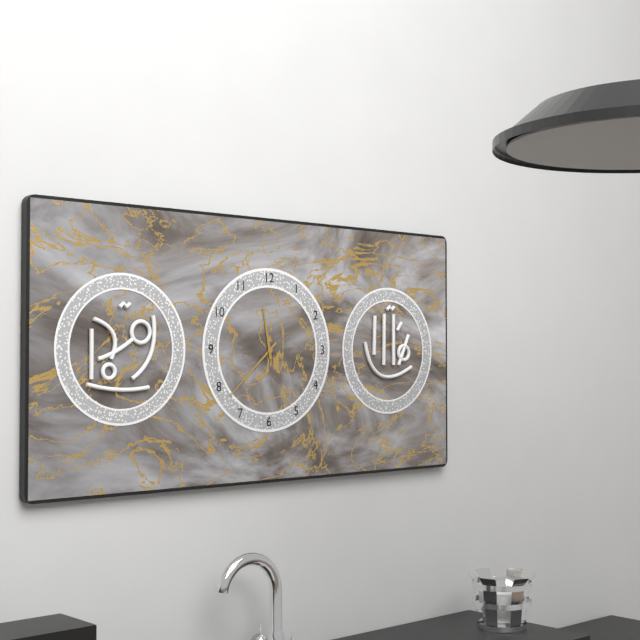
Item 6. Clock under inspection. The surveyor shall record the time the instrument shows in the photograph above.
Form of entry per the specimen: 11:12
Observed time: 11:38
